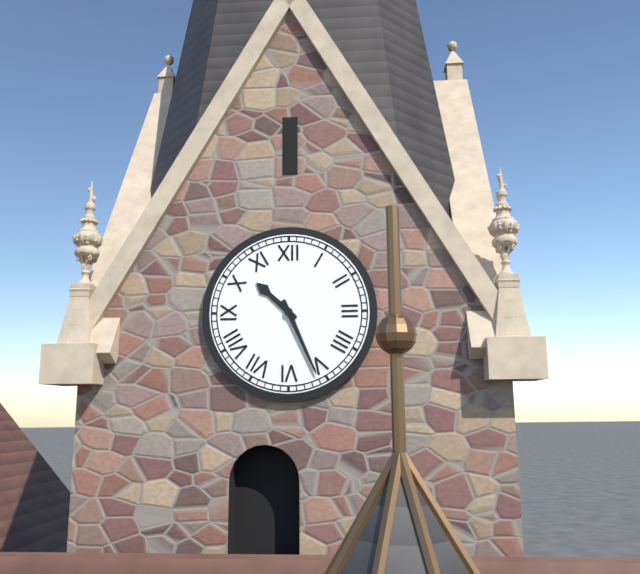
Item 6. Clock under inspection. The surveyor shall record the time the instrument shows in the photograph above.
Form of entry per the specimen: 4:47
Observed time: 10:26
